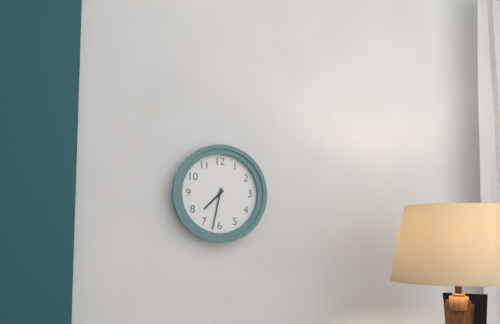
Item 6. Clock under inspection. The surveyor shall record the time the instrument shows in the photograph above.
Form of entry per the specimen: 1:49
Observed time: 7:32
